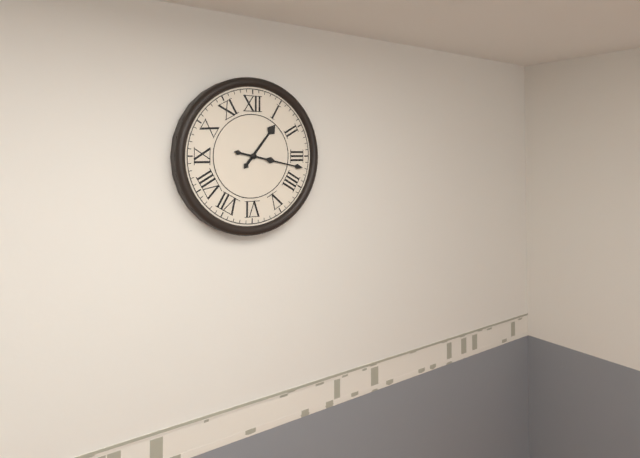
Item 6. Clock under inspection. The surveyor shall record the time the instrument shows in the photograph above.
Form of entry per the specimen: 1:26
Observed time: 1:17
